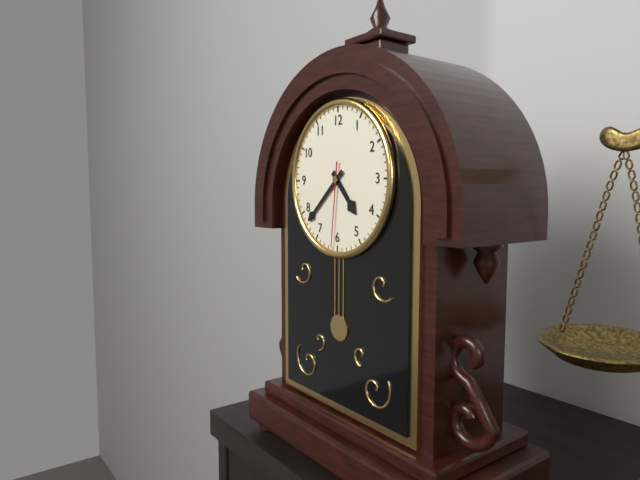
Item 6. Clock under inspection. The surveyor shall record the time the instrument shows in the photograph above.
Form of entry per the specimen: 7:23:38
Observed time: 4:38:31
